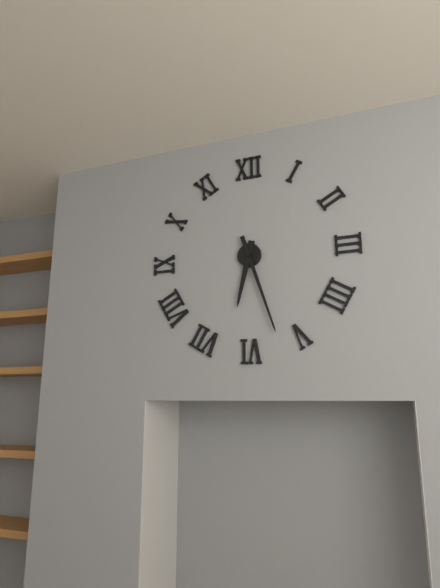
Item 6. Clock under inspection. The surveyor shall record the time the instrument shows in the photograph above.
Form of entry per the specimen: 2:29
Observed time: 6:27
